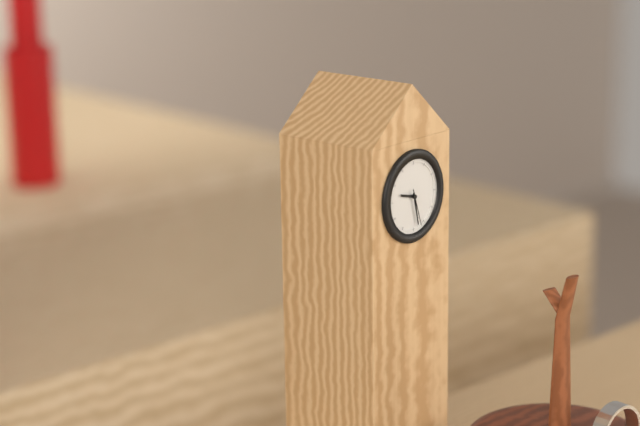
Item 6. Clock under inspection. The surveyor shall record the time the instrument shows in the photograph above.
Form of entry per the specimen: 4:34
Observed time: 9:28
